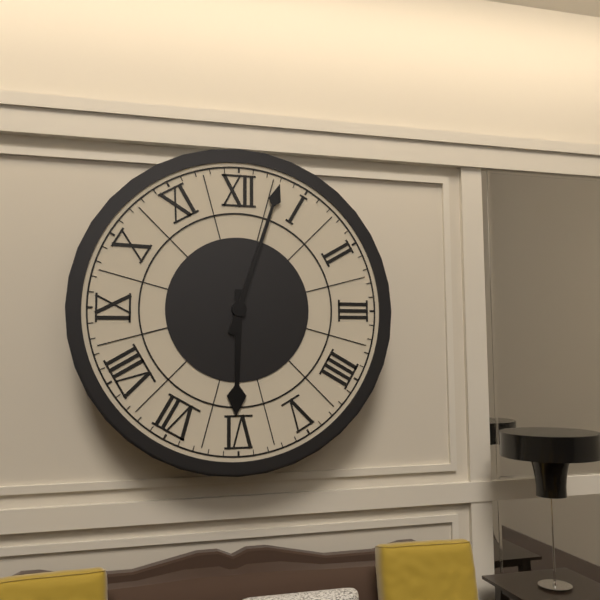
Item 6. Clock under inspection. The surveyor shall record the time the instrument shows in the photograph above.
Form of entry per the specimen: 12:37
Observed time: 6:03
